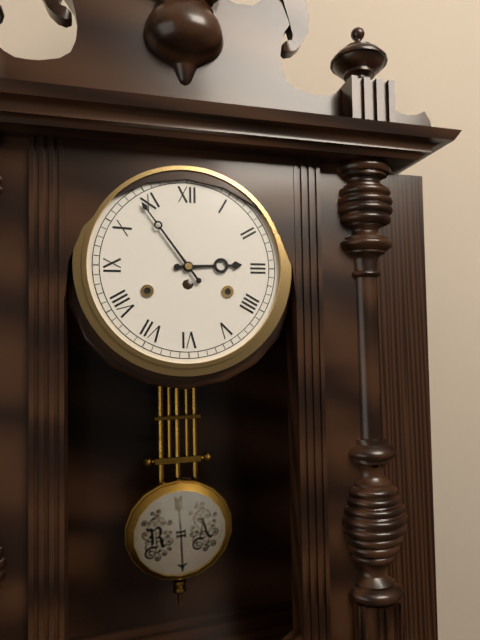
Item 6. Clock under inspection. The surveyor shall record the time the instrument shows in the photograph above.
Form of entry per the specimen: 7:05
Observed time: 2:54
